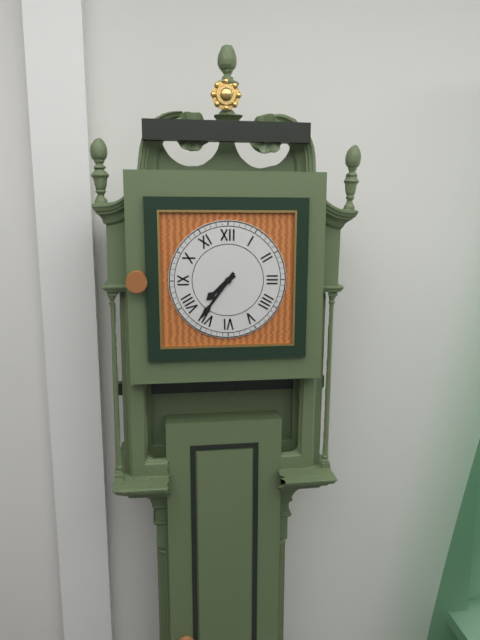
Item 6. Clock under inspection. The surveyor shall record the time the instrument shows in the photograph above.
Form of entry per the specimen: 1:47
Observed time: 7:36
